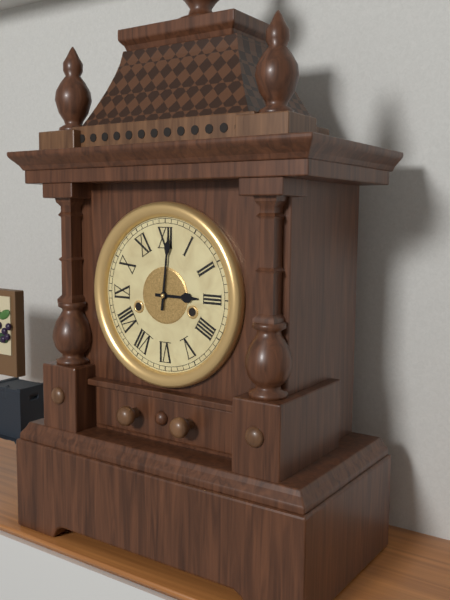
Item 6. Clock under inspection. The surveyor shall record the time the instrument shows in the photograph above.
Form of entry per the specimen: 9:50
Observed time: 3:01
